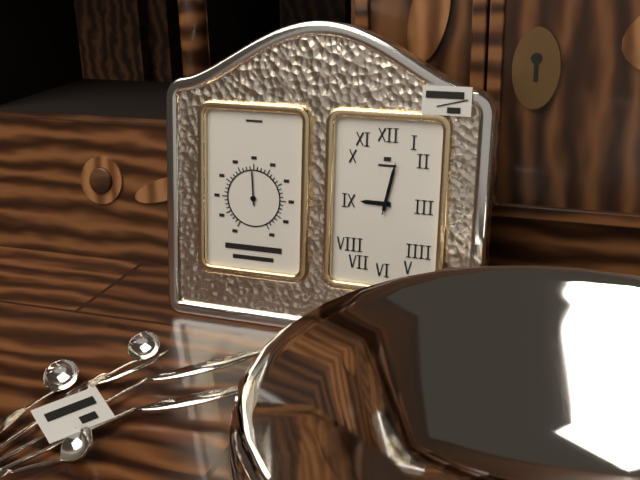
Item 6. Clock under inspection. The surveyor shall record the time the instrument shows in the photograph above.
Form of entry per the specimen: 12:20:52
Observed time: 9:02:02
